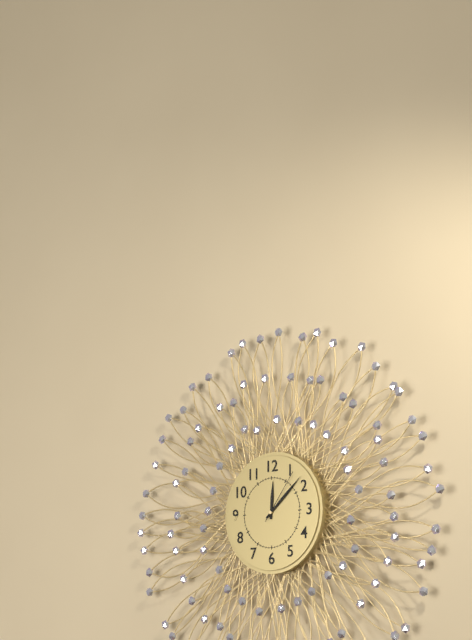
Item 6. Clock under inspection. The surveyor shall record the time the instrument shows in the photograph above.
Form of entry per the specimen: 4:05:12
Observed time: 12:08:06
